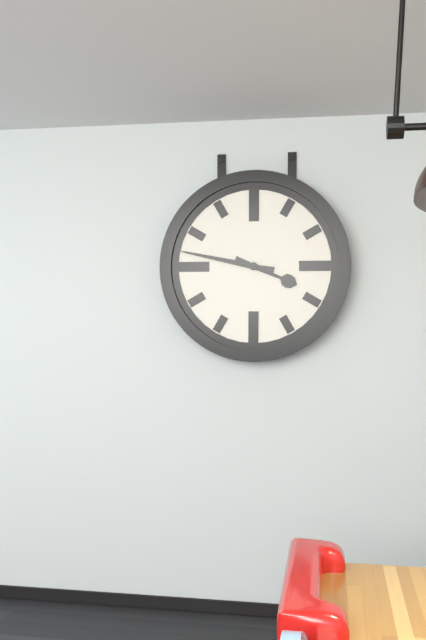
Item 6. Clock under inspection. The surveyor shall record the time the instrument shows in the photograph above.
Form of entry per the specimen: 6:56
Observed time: 3:47
